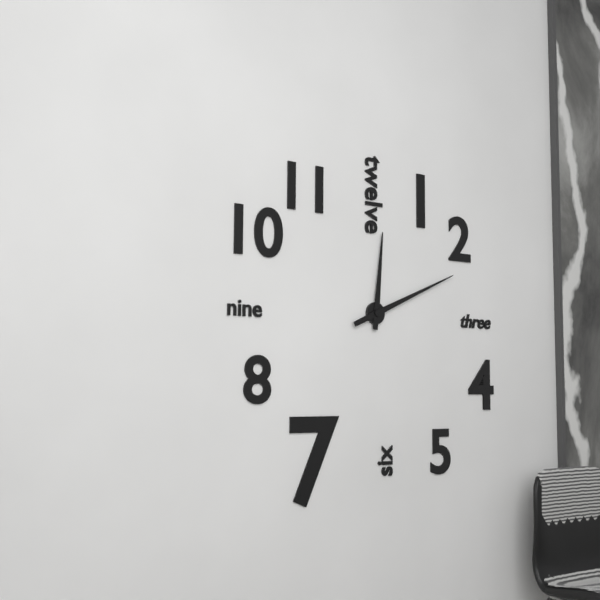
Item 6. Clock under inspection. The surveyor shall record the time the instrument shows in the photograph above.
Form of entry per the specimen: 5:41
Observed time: 12:11
